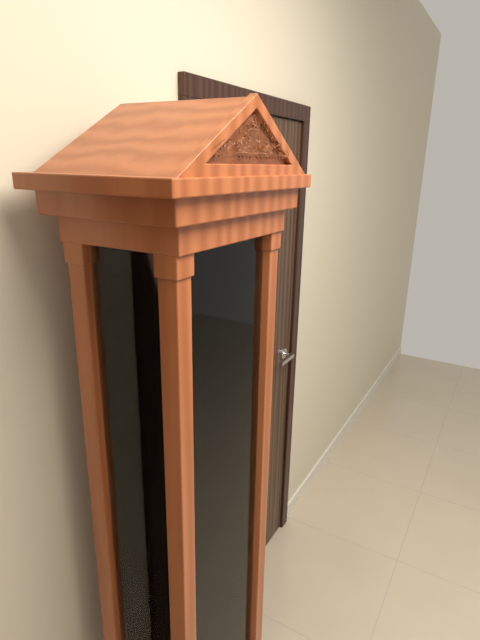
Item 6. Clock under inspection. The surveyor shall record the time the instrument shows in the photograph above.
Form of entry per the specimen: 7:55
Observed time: 10:10
